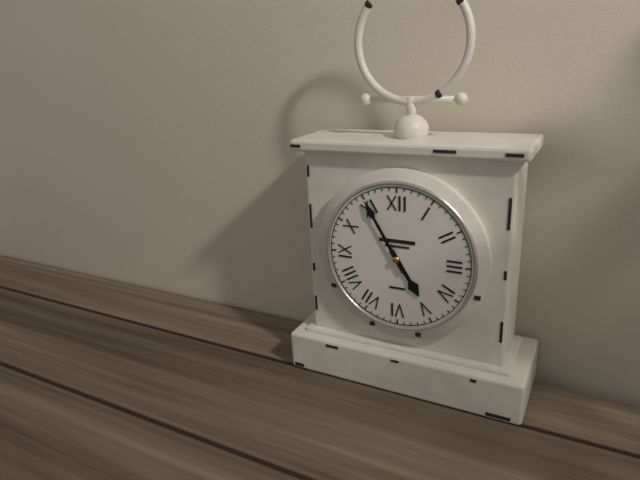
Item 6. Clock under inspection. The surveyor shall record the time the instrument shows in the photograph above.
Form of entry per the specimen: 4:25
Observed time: 4:55
